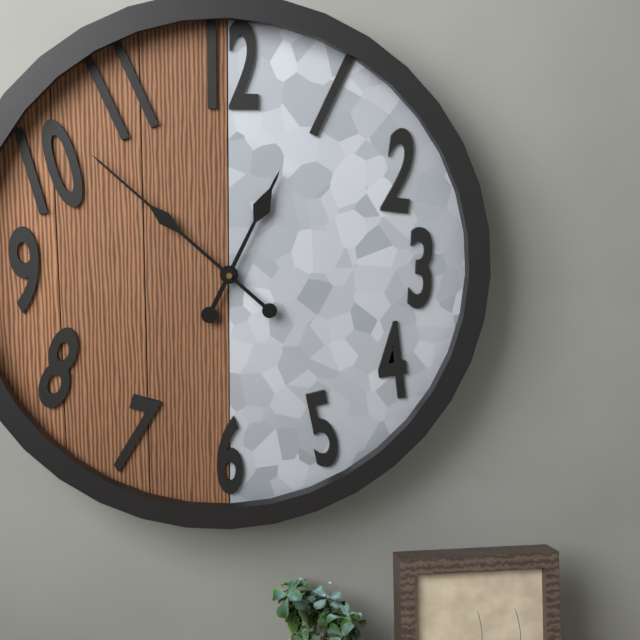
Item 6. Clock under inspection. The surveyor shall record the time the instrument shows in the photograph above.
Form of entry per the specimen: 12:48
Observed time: 12:52
